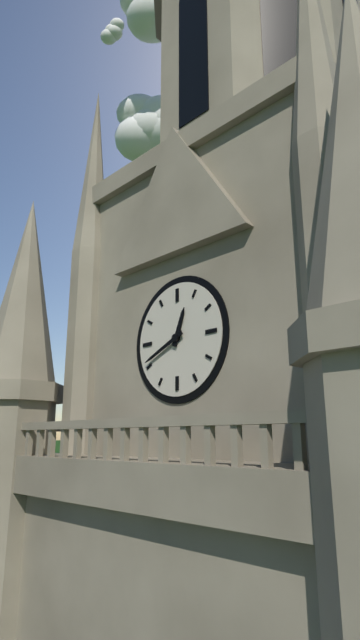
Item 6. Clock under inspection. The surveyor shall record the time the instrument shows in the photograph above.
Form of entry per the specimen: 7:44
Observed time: 12:41
